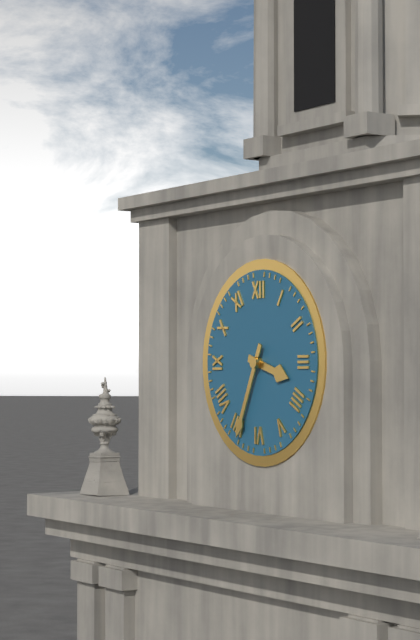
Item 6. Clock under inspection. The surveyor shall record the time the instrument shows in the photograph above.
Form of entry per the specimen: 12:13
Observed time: 3:34
